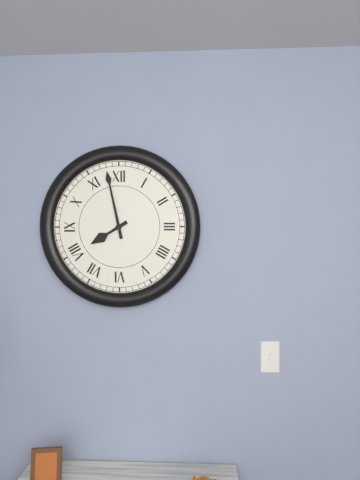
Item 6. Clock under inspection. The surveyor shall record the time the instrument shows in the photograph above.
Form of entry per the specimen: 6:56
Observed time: 7:58
